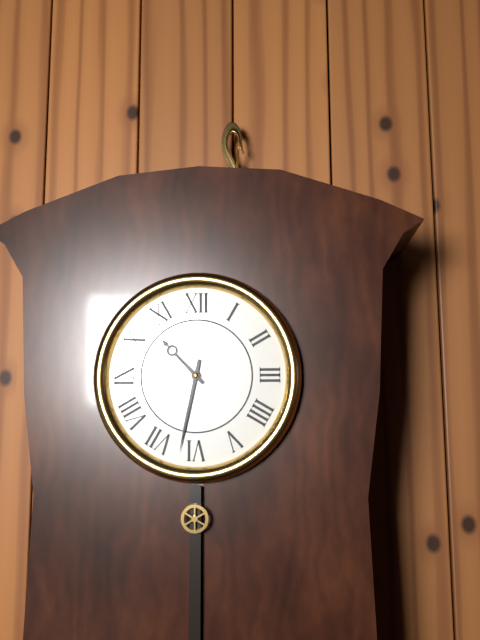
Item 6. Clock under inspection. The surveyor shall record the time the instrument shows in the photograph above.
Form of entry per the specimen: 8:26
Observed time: 10:32
